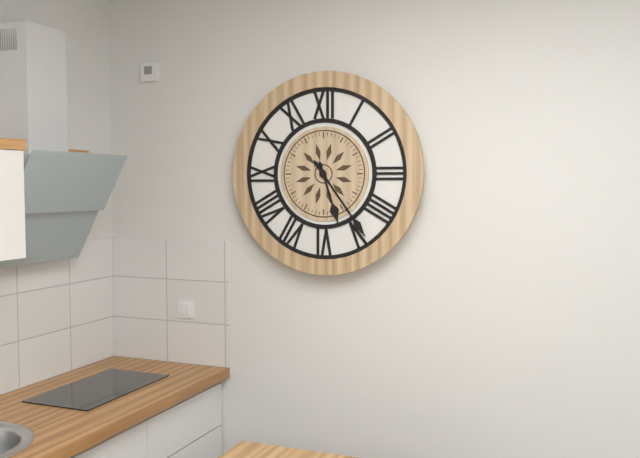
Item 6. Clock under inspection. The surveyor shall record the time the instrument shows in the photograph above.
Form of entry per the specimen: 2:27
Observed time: 5:24
